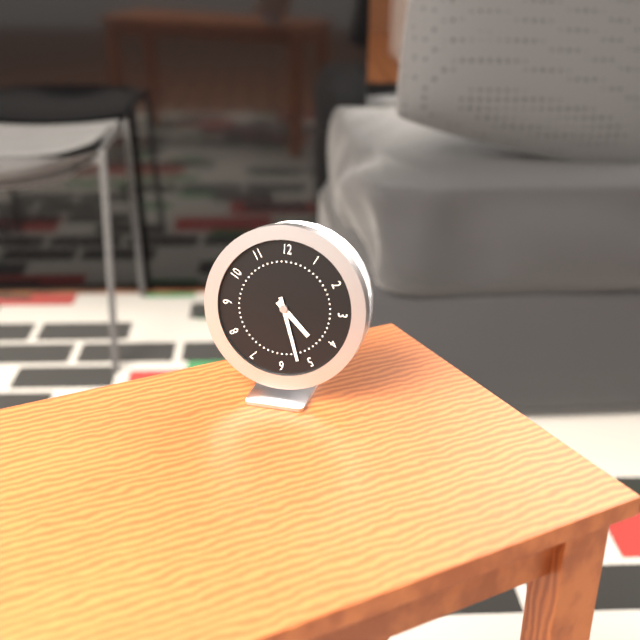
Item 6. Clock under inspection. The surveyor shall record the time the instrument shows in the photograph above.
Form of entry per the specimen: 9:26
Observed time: 4:27
